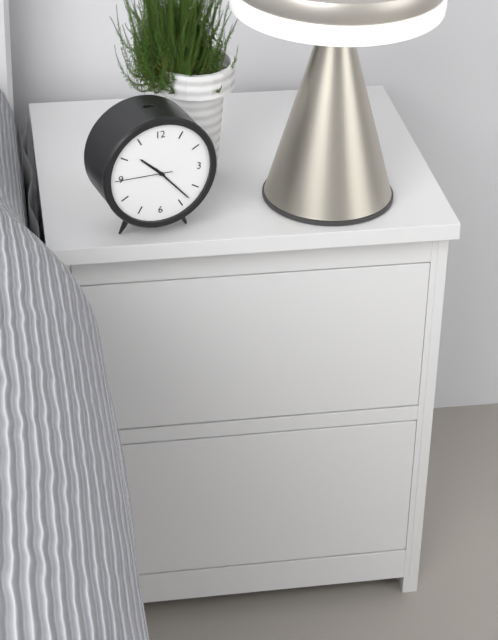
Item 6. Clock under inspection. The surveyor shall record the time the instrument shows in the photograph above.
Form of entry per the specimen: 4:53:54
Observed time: 10:23:45
